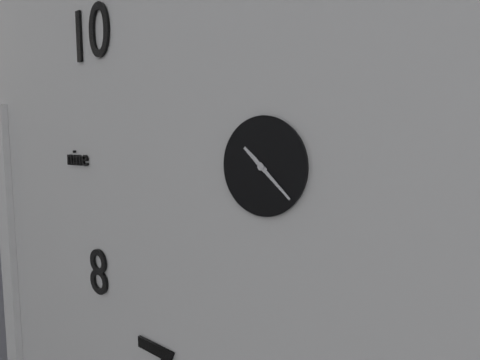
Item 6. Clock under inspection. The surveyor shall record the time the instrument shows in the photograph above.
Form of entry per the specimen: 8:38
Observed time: 10:22
